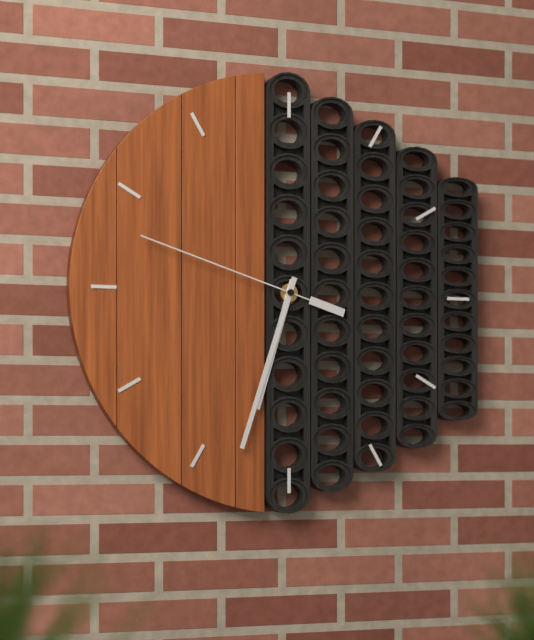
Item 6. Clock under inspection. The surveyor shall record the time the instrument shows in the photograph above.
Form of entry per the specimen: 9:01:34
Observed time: 6:33:48
